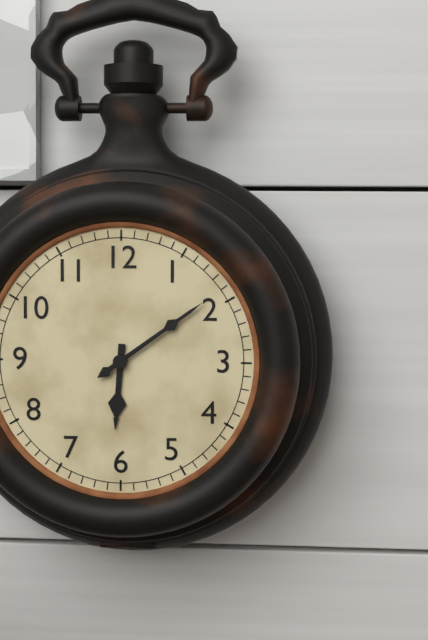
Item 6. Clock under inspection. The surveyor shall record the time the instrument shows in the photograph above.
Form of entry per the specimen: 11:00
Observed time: 6:09
